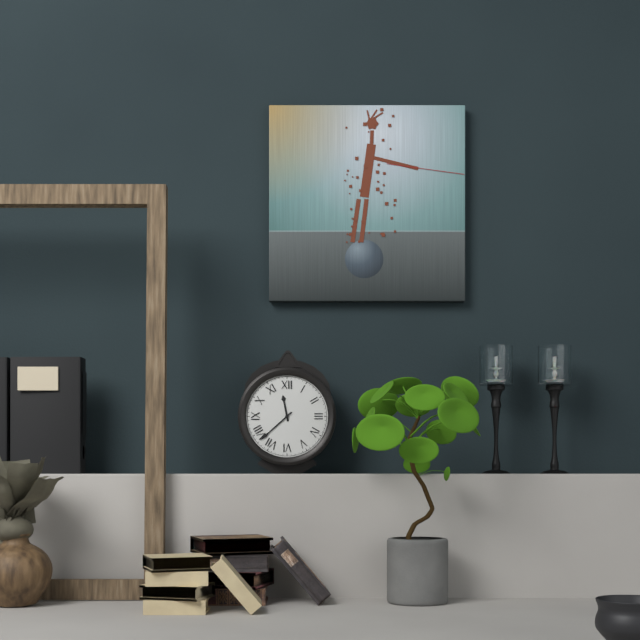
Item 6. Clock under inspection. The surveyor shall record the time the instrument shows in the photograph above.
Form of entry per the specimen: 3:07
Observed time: 11:38
